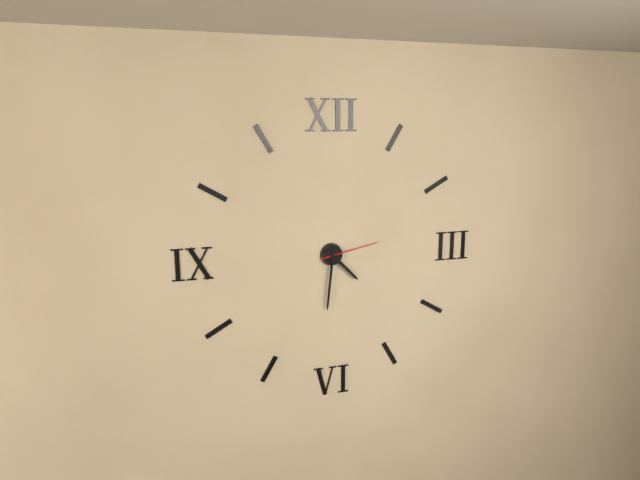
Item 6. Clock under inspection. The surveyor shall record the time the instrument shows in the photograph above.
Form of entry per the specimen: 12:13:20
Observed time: 4:31:13
